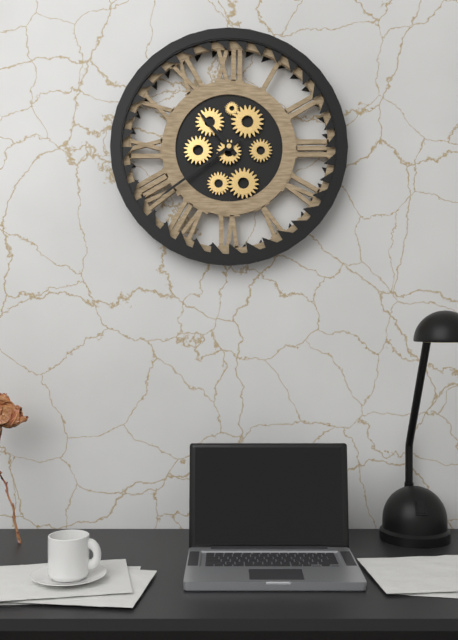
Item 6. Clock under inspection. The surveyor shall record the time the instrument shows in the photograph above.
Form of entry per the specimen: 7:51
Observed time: 10:39
